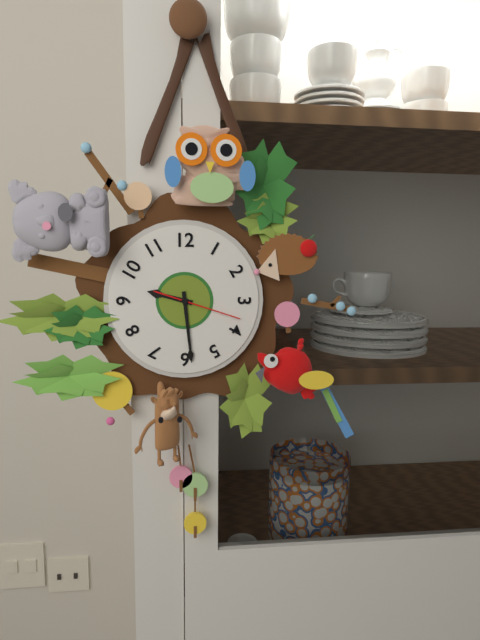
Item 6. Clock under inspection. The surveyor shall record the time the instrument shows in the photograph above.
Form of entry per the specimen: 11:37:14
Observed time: 9:29:18
